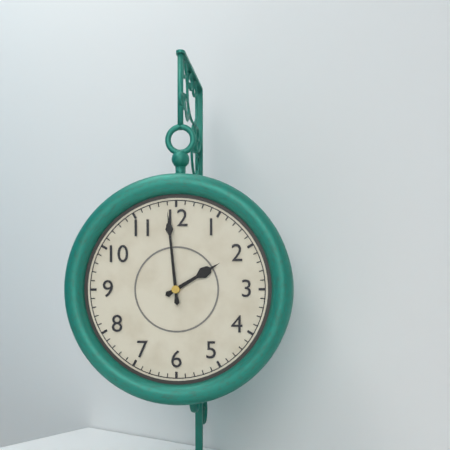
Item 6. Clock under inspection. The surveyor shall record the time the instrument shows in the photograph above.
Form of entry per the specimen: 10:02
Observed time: 1:59
